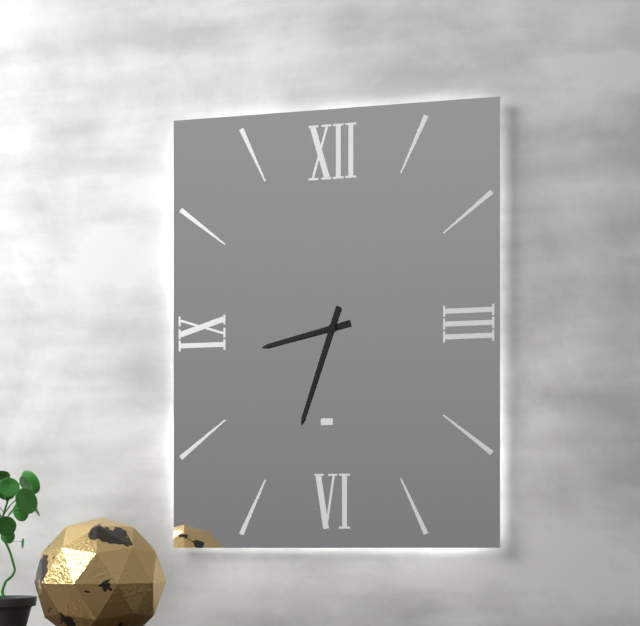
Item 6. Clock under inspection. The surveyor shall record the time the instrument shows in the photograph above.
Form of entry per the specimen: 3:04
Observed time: 8:33
